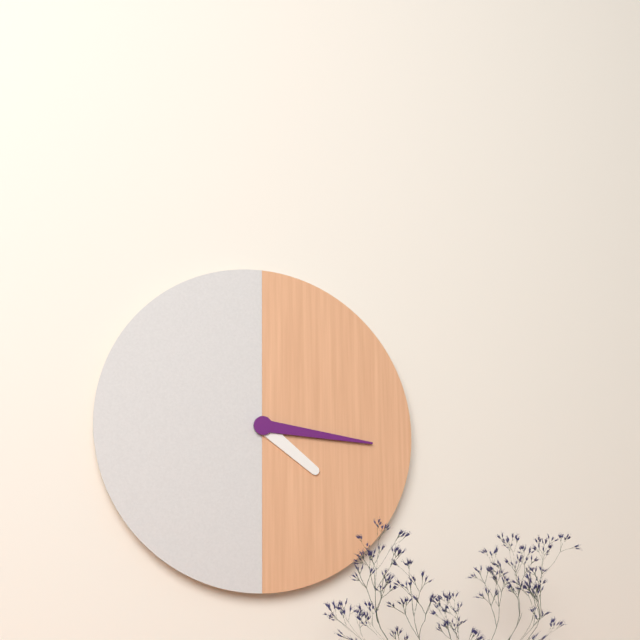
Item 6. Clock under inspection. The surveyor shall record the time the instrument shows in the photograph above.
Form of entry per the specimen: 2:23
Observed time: 4:16
